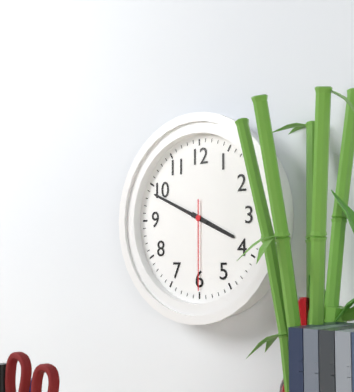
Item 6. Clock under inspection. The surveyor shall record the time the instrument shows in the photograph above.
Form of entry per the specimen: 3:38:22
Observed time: 3:49:30
